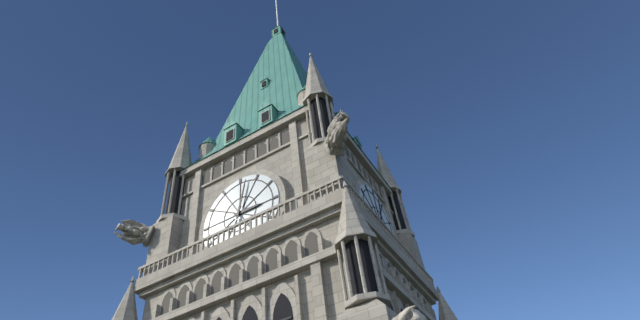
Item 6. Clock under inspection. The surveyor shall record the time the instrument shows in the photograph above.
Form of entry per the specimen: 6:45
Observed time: 3:02
